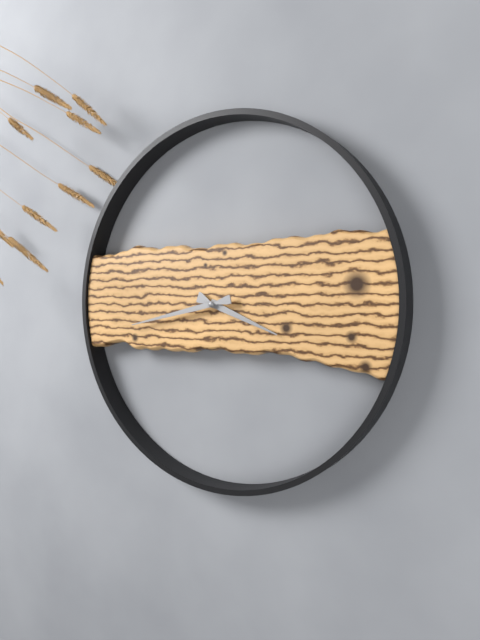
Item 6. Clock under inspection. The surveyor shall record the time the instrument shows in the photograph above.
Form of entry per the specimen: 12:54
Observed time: 3:43
